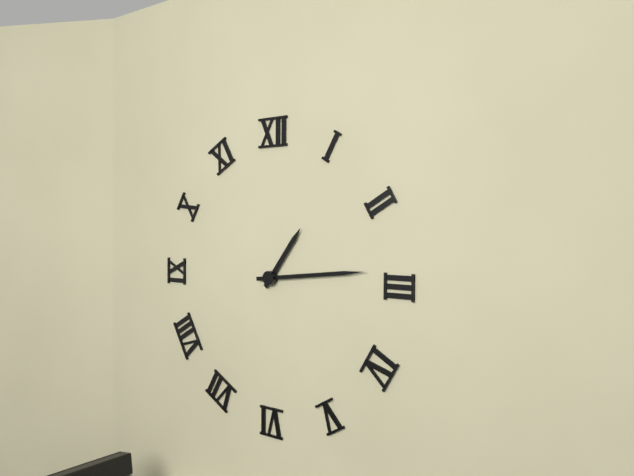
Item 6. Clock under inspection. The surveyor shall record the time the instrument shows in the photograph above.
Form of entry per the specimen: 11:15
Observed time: 1:14
